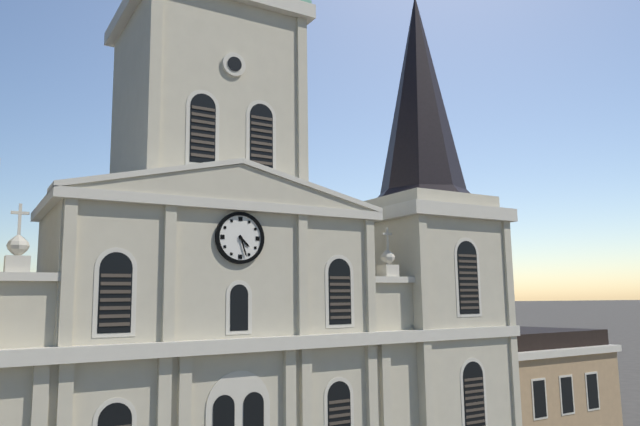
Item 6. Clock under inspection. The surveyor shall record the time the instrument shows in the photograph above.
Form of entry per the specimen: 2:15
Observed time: 4:27
